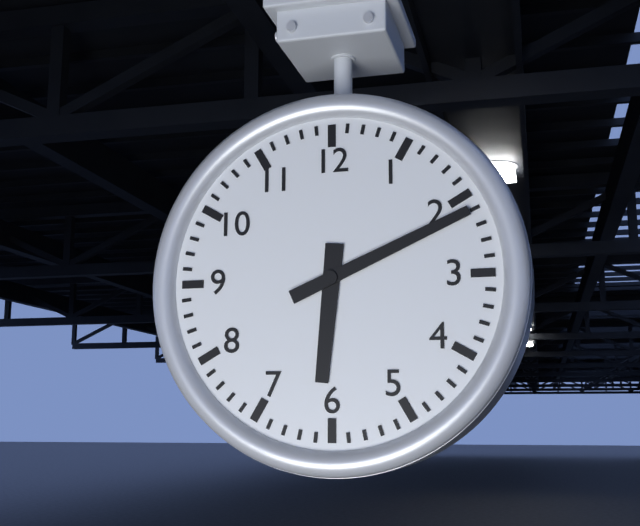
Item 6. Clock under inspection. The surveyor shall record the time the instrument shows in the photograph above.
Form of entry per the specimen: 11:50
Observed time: 6:11
